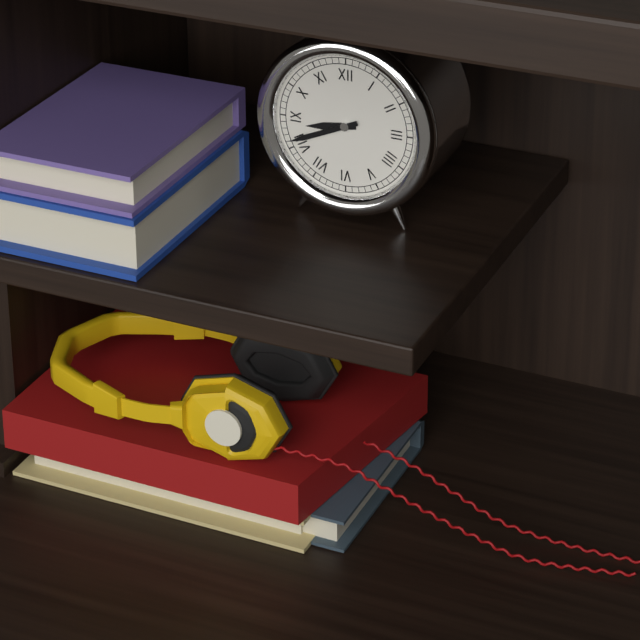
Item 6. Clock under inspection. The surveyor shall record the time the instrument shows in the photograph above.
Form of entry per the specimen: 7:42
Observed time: 8:41
